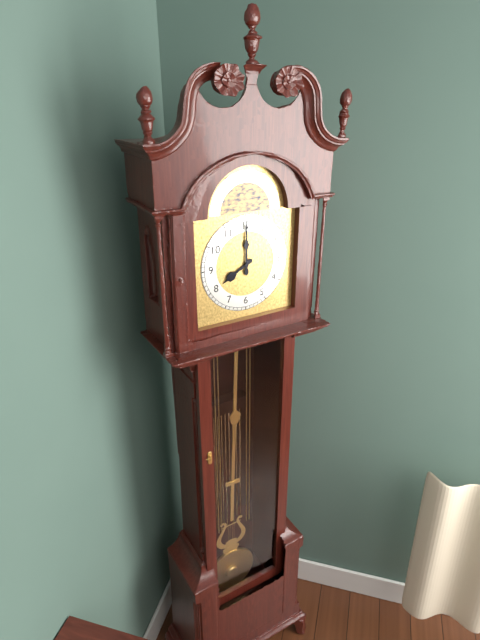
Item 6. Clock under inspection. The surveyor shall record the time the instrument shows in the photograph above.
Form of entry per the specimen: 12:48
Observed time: 8:00
